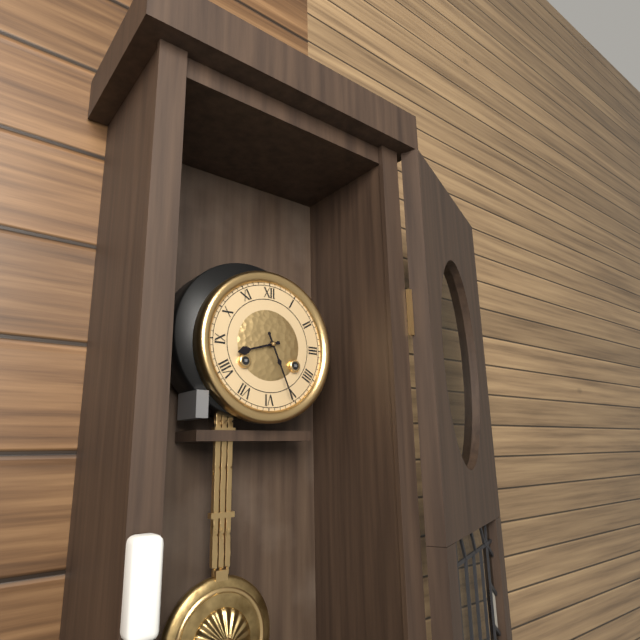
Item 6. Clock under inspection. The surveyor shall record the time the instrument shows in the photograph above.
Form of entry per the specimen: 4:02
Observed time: 8:26
